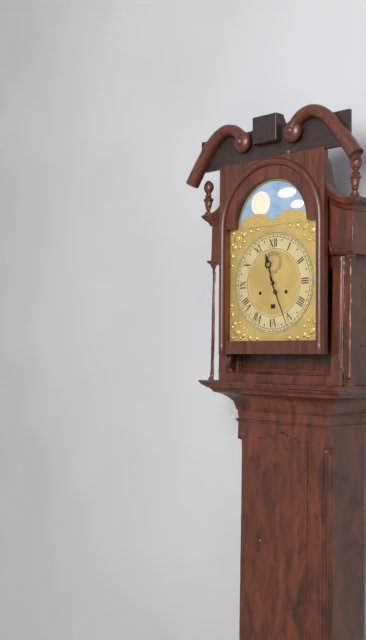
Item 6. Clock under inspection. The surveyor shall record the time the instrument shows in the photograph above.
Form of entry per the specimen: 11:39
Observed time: 11:26
